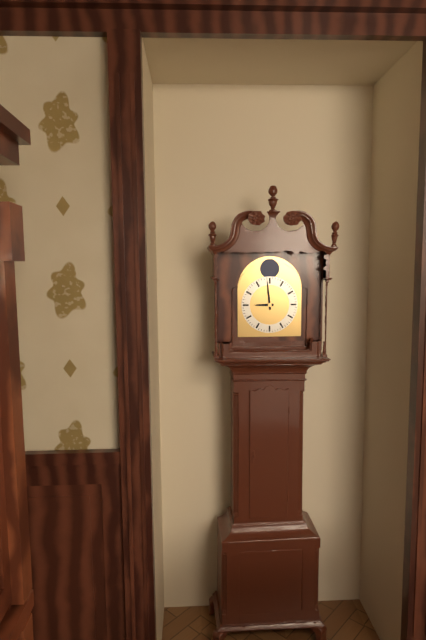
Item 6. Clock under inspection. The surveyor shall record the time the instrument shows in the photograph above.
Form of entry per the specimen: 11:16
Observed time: 8:59
